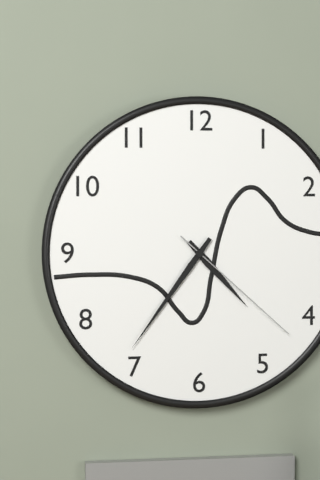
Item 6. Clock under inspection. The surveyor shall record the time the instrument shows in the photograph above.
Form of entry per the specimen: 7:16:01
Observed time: 4:36:22
